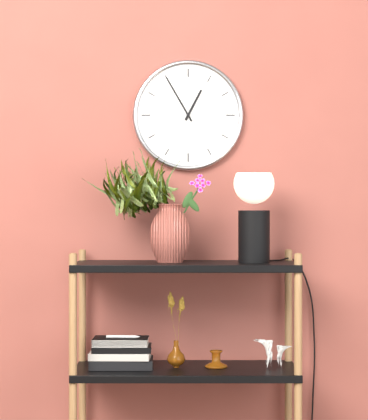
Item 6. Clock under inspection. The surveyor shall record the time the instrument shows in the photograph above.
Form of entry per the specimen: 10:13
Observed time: 12:55
